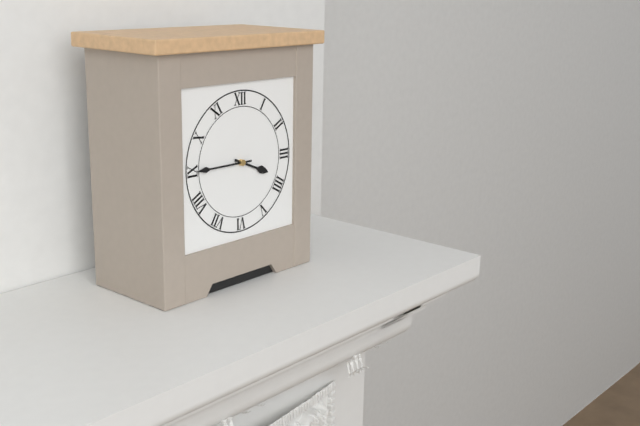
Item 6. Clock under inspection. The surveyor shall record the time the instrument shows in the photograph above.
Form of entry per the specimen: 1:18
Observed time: 3:45
